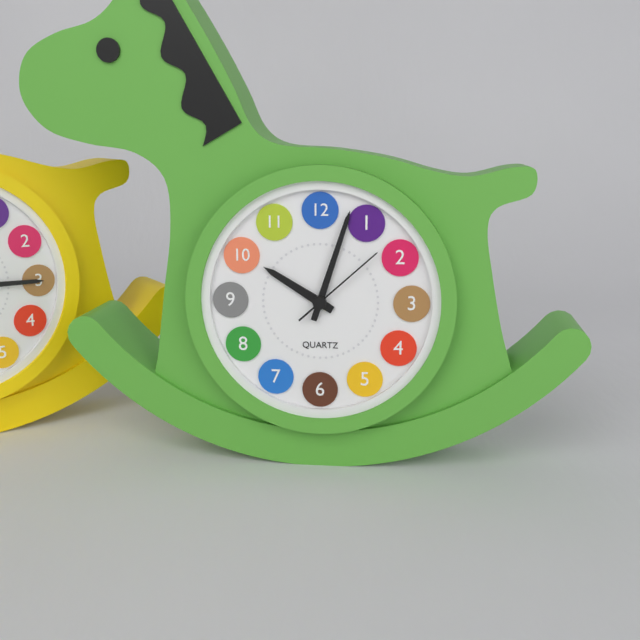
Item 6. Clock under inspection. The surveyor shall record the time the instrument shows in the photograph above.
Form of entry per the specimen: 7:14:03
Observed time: 10:03:08
